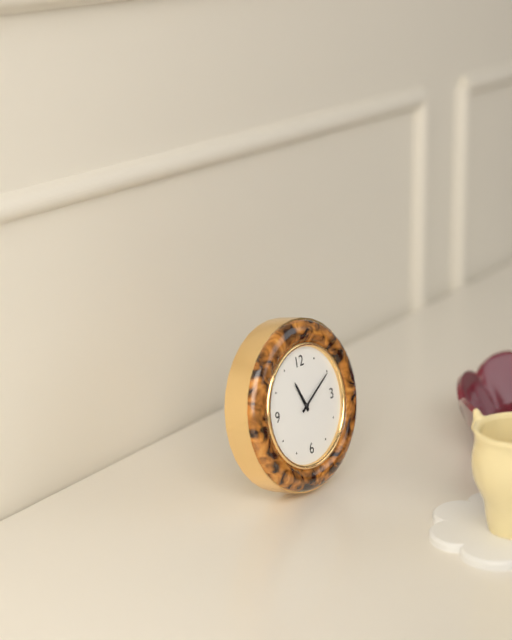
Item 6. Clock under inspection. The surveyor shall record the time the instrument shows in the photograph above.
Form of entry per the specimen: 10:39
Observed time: 11:10
